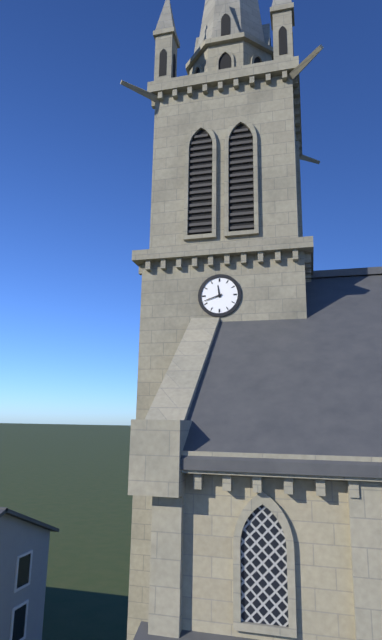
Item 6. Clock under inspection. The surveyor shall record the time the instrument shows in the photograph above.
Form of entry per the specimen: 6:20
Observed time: 11:42
